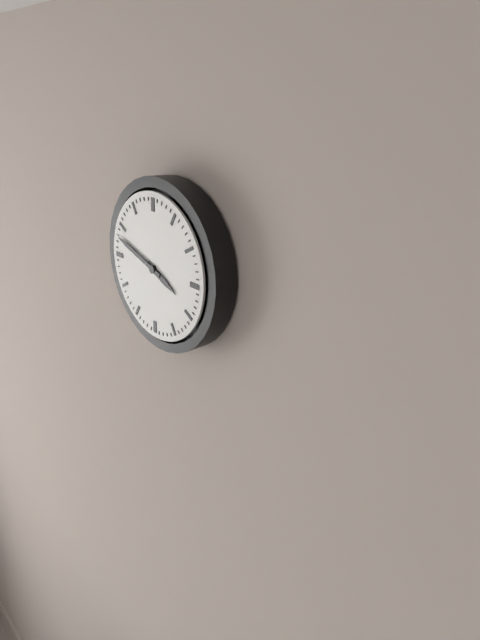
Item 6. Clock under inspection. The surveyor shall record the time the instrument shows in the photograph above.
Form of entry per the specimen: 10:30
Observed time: 3:48
